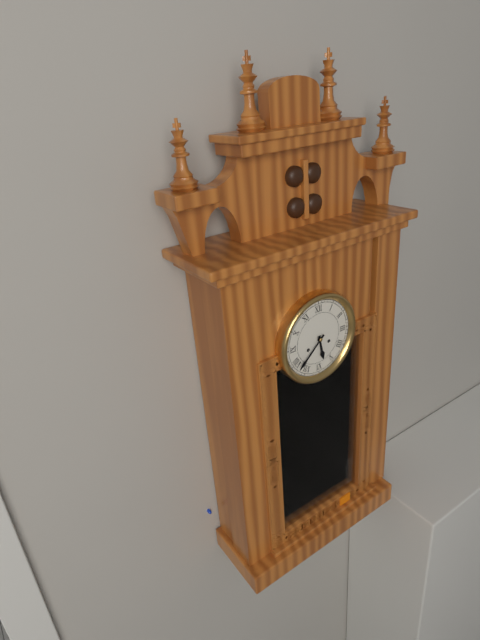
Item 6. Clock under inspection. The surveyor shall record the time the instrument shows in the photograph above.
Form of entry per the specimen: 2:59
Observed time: 5:38
